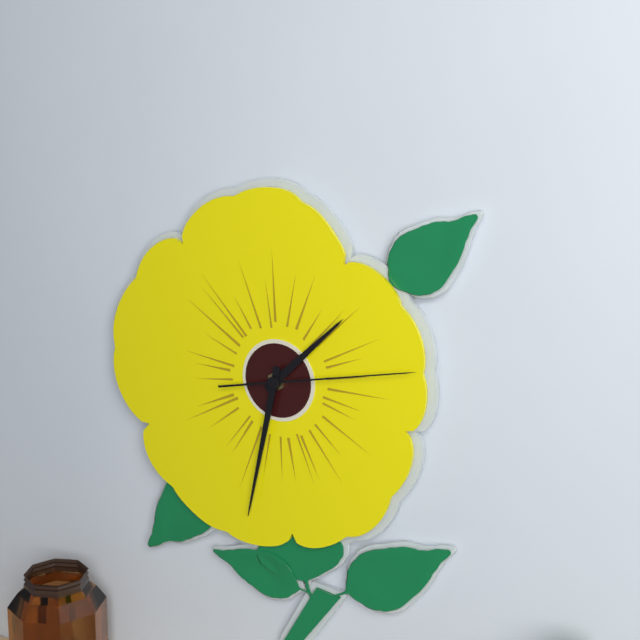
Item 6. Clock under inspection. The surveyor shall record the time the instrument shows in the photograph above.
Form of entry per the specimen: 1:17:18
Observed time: 1:32:13
